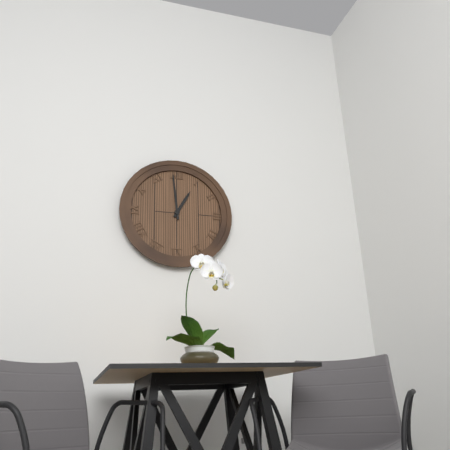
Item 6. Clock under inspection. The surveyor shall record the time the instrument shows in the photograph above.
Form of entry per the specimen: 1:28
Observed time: 12:59
